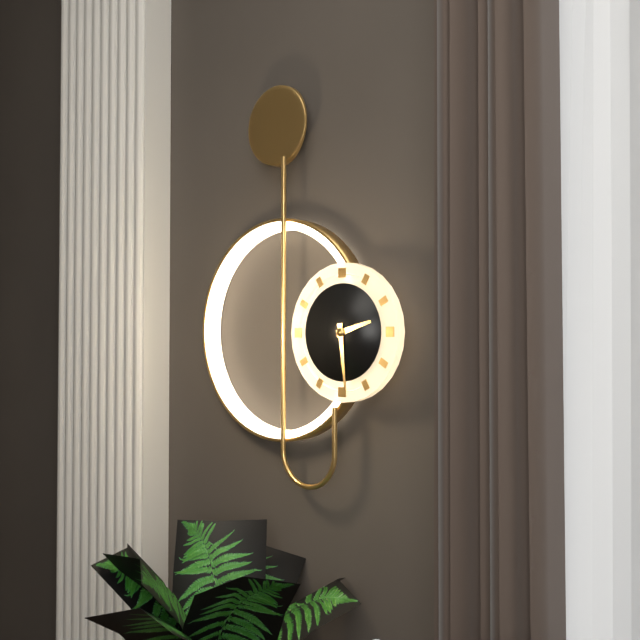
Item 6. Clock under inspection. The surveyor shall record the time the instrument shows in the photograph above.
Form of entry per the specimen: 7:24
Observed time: 2:29
